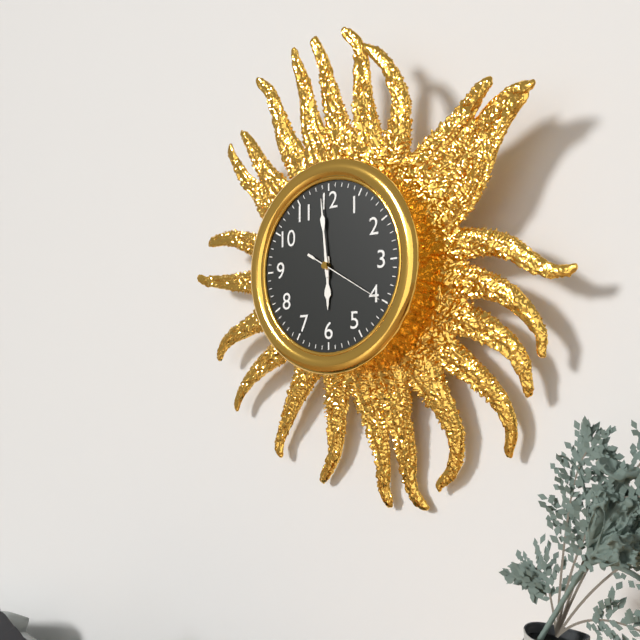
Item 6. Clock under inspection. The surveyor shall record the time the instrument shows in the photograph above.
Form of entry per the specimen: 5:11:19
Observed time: 5:59:20
